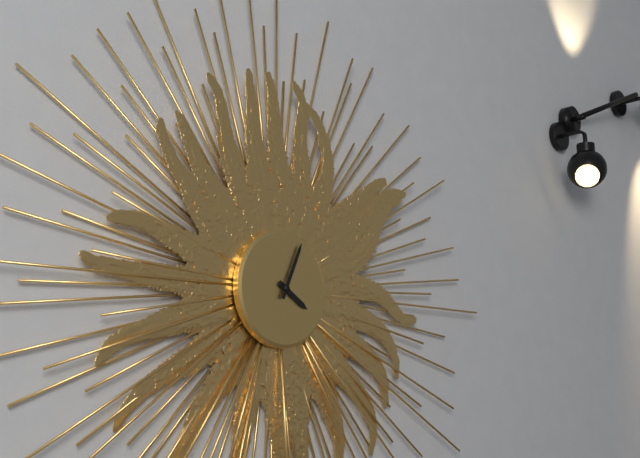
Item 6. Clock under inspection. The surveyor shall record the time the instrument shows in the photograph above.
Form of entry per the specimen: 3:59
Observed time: 4:04
